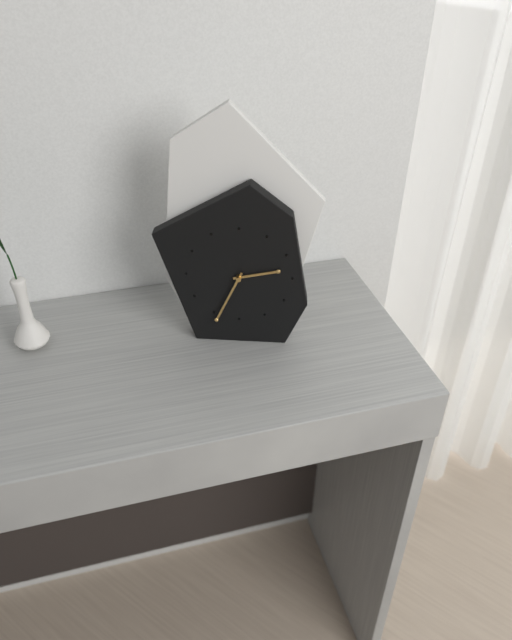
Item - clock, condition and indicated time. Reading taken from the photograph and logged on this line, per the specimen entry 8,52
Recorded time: 2,34
